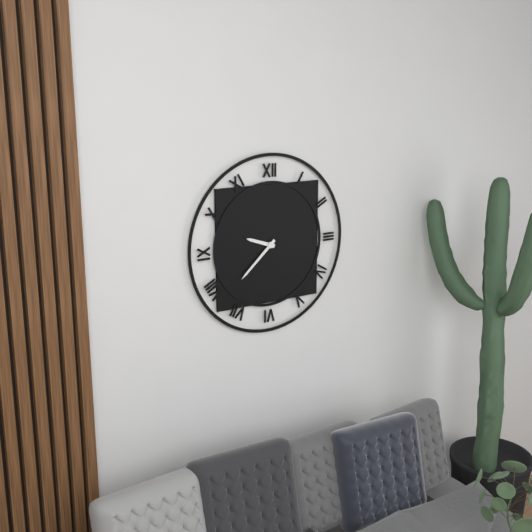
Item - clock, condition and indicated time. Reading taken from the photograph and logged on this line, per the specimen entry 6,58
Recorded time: 9,38
